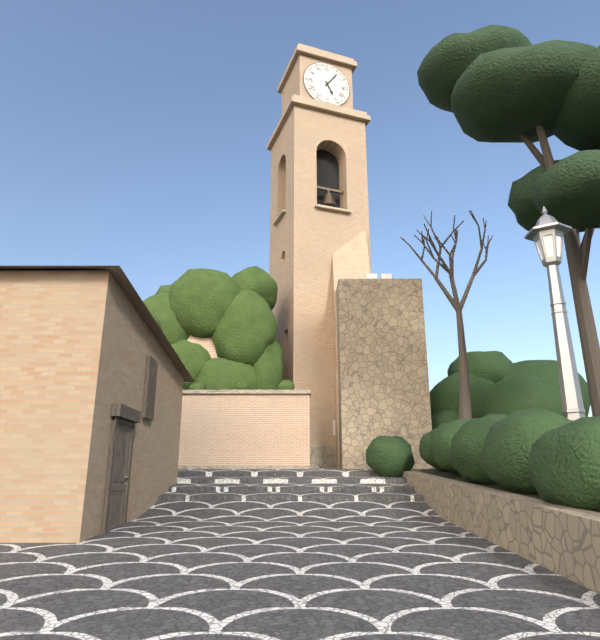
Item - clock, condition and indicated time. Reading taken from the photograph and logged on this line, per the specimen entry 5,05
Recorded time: 5,06
